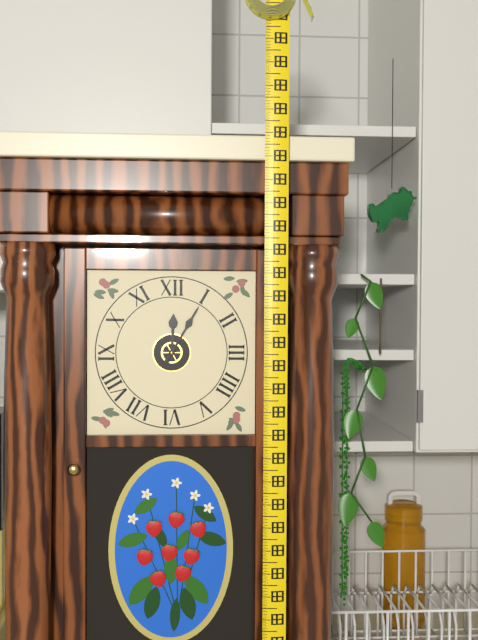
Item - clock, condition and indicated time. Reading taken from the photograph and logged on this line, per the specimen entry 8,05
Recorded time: 12,05
